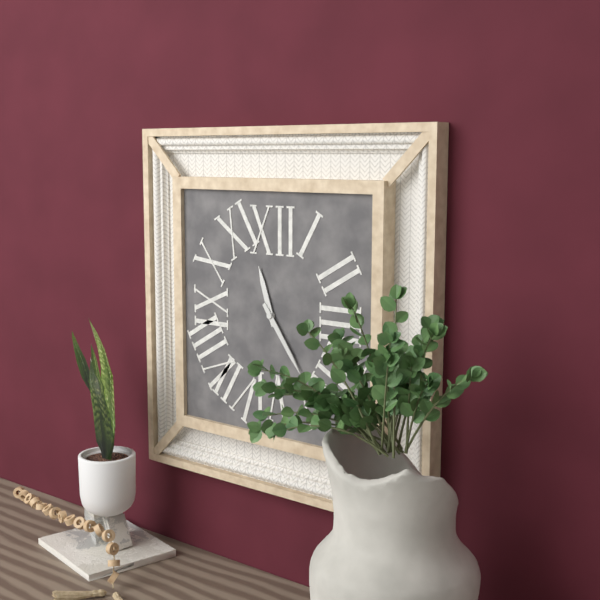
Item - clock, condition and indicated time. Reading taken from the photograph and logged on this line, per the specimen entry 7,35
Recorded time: 11,24
